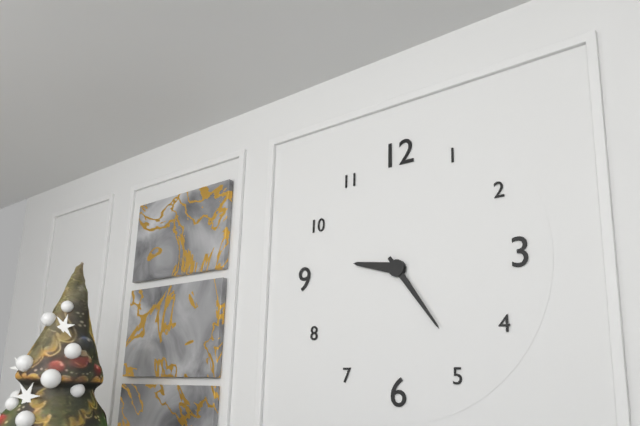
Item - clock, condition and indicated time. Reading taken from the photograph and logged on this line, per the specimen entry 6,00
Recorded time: 9,24
